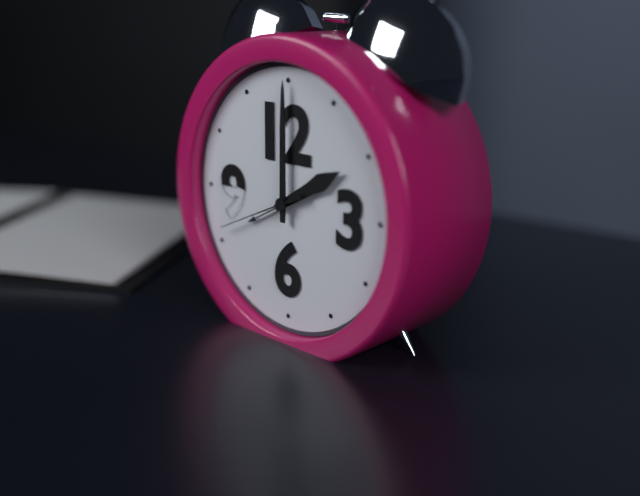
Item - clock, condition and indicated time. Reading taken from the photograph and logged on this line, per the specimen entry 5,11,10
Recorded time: 2,00,41
